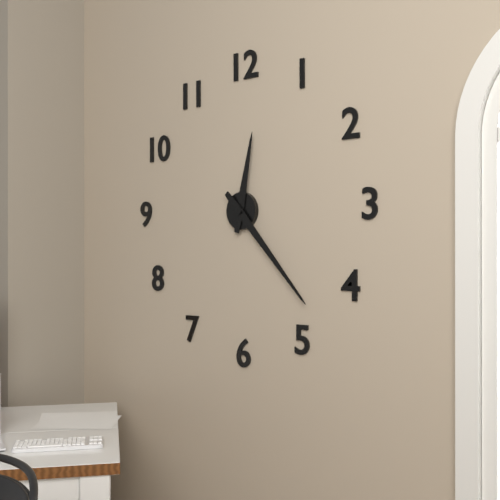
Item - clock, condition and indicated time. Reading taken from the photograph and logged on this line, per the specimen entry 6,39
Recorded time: 12,23
